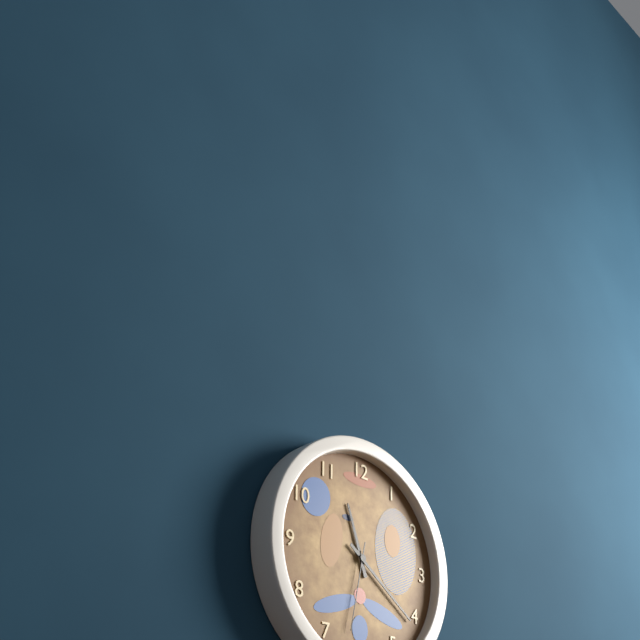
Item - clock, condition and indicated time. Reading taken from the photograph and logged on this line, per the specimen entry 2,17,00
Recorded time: 11,21,32
